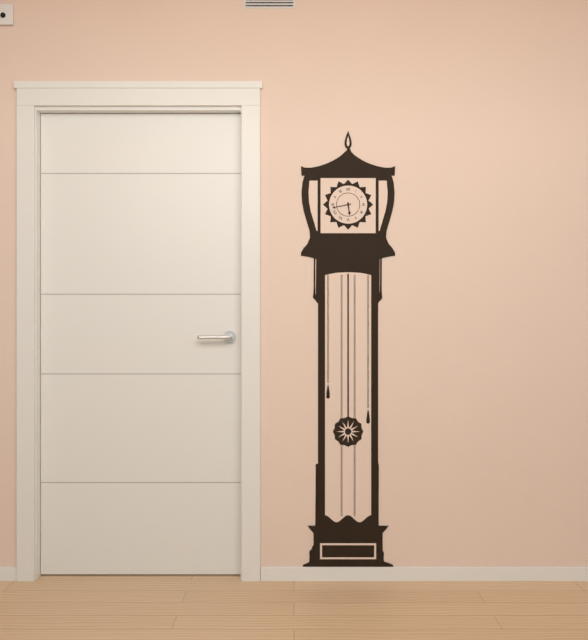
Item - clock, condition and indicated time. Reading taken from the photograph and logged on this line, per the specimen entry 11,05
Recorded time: 5,43
